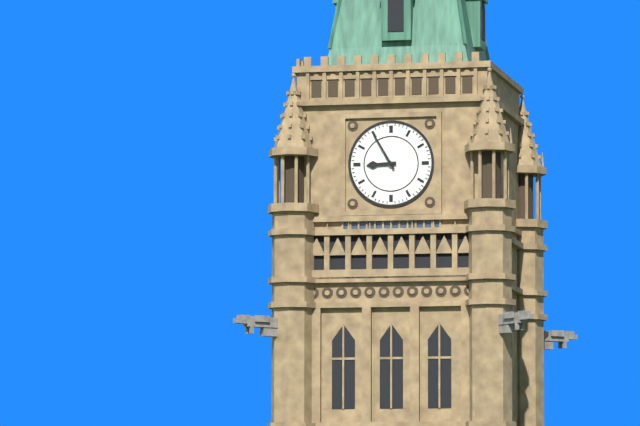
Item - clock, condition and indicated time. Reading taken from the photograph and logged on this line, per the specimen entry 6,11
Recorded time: 8,55
